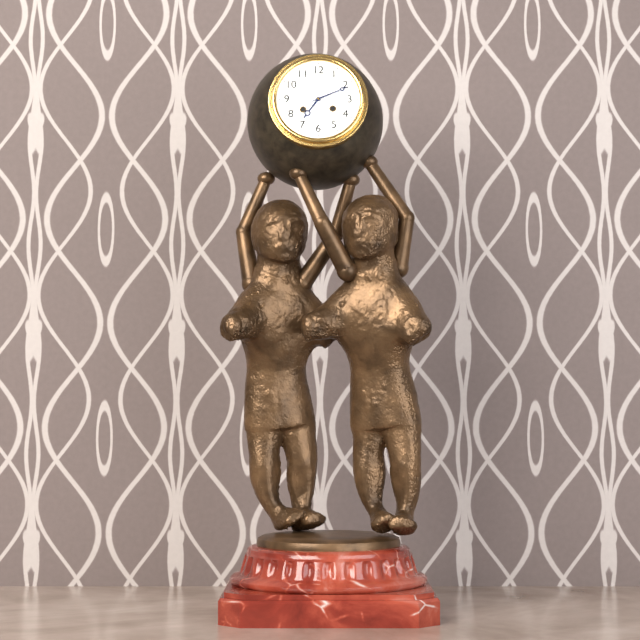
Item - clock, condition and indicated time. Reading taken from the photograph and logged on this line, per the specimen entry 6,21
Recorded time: 7,11
